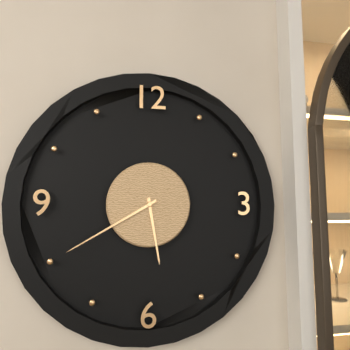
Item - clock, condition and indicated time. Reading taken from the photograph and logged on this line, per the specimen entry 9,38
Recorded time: 5,40
